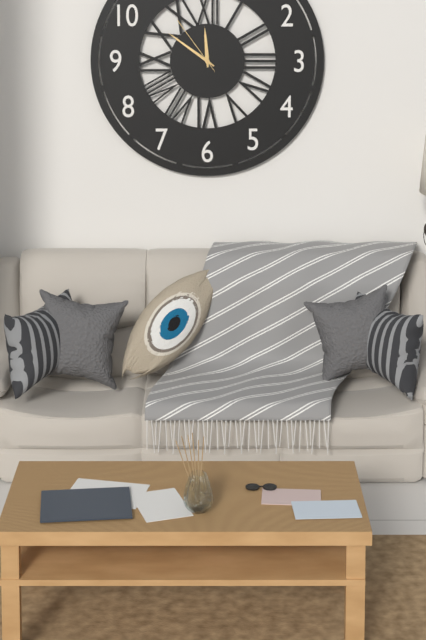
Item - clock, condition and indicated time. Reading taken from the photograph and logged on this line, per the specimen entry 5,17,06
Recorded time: 11,51,54
